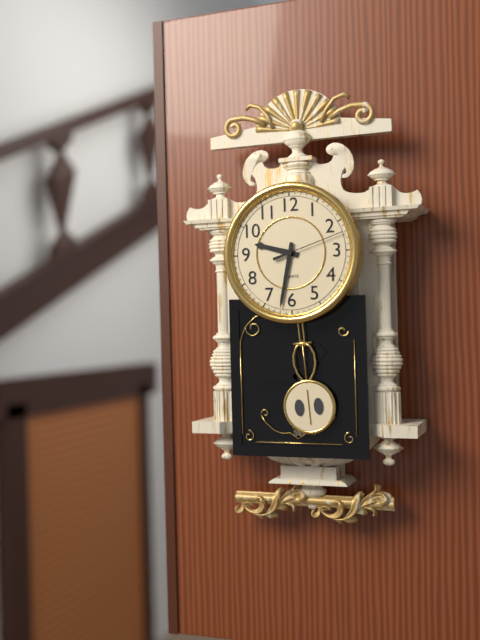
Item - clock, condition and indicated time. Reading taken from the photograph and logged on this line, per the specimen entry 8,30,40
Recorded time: 9,32,12
